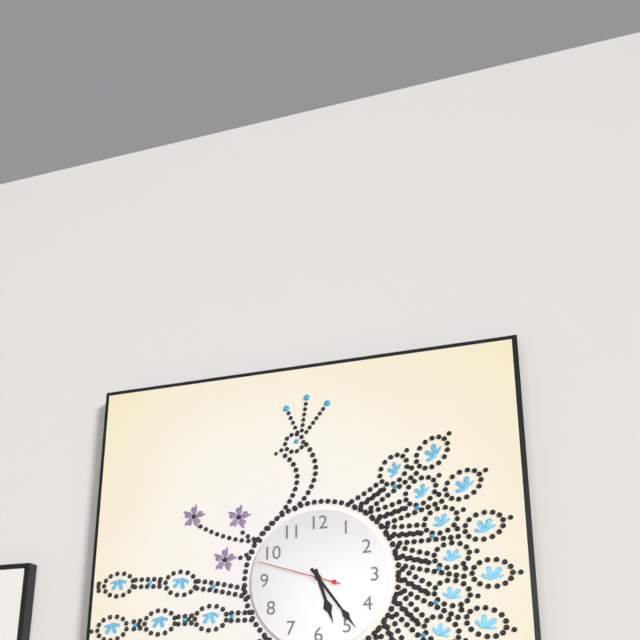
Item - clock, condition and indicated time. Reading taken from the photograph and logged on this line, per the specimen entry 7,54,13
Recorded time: 5,24,48
